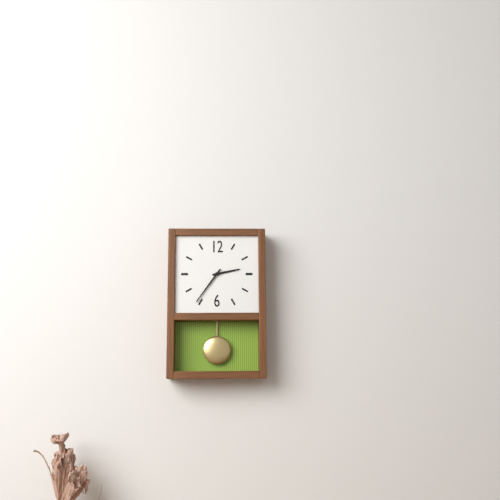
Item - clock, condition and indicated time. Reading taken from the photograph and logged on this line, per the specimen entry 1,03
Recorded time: 2,36
